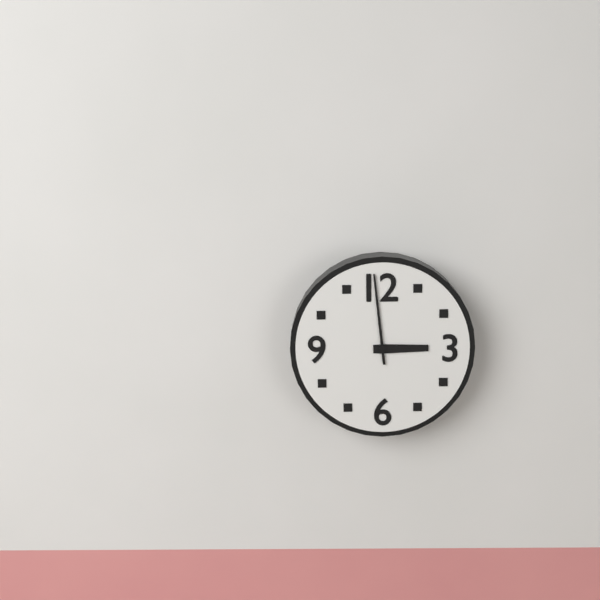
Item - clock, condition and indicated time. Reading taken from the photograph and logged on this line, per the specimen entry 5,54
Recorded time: 2,59
